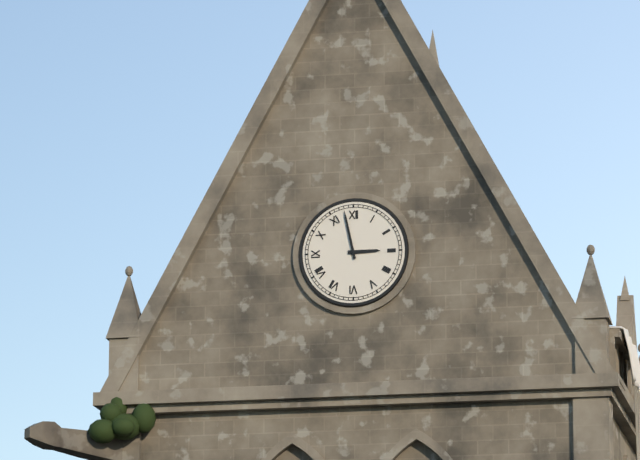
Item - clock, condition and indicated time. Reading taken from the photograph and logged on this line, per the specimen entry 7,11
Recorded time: 2,58
